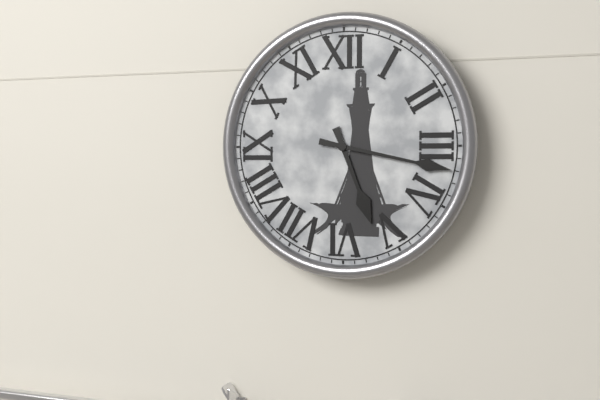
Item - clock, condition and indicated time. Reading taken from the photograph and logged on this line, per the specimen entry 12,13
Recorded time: 5,17
